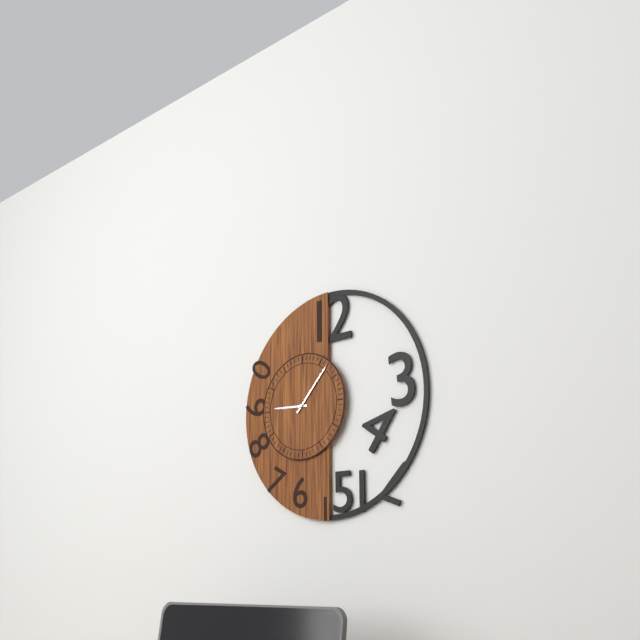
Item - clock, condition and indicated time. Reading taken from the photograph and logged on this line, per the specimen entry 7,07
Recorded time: 9,07
